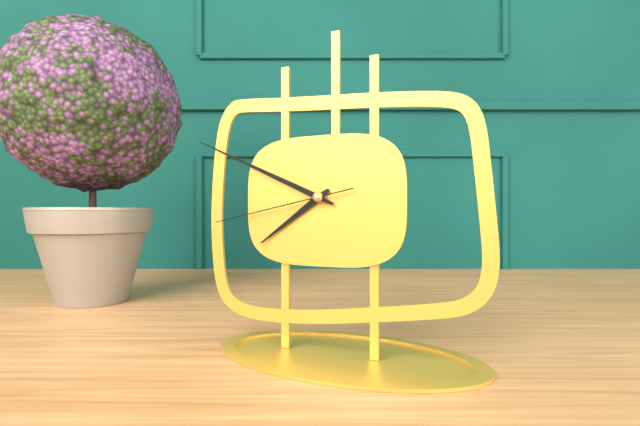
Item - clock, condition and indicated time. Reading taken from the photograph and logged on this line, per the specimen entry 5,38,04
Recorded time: 7,49,43
